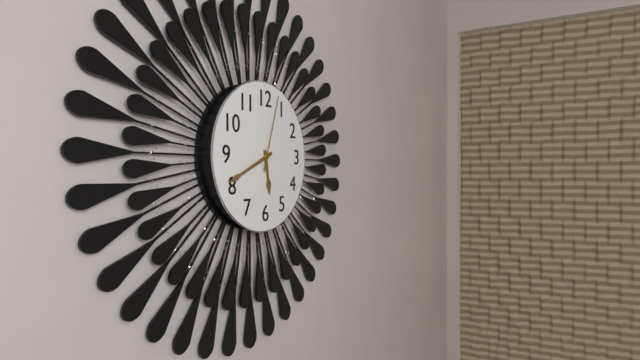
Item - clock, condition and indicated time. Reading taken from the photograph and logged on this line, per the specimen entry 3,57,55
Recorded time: 5,41,03
